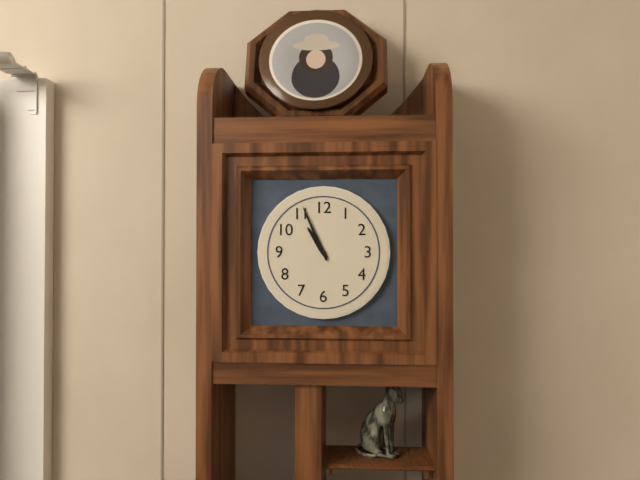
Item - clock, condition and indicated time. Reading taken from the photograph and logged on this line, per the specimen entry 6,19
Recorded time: 10,56
